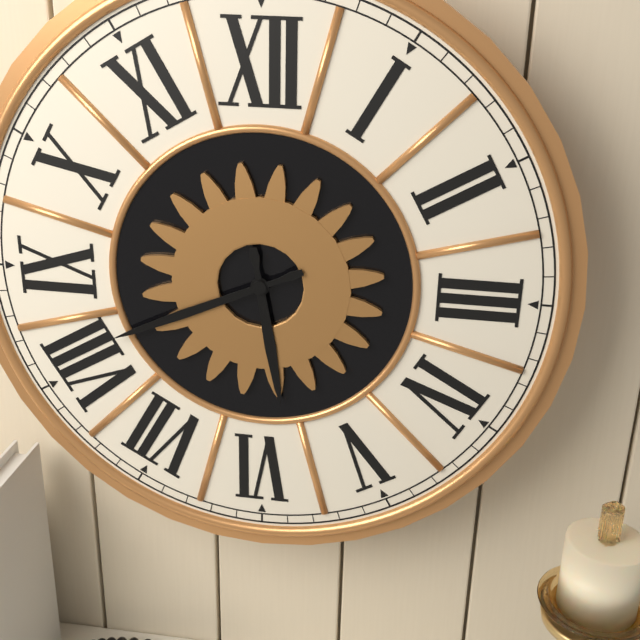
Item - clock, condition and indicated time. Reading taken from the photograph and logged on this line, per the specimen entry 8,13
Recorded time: 5,41
